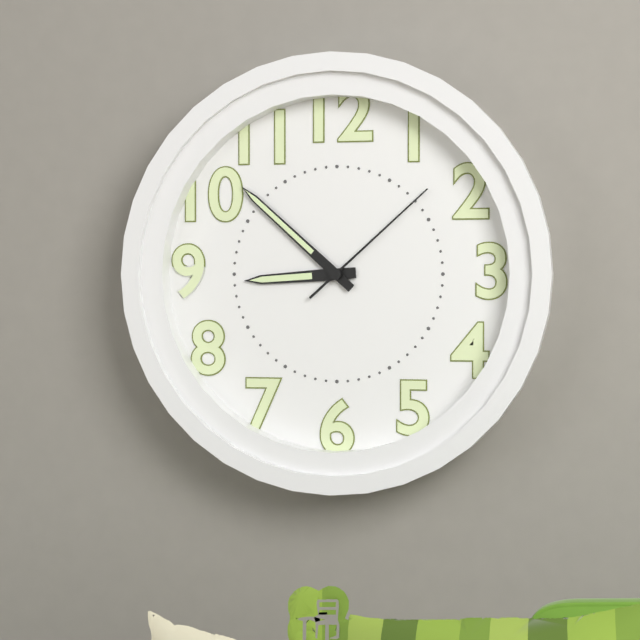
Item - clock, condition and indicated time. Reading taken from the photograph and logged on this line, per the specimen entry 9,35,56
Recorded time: 8,52,08
